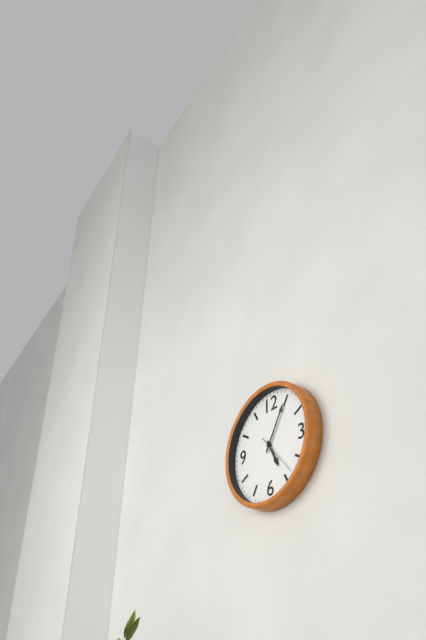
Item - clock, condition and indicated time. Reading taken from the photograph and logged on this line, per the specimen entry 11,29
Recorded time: 5,05
